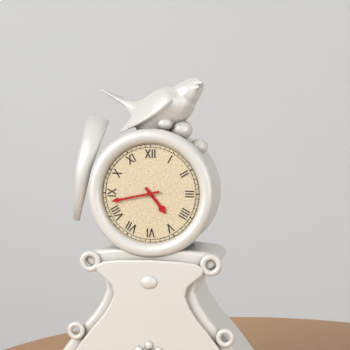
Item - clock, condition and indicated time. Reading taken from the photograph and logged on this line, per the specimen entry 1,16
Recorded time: 4,43
